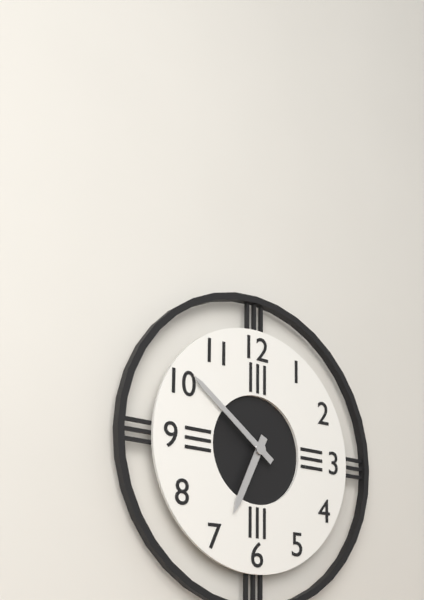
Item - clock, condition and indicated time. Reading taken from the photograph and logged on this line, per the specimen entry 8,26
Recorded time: 6,51
